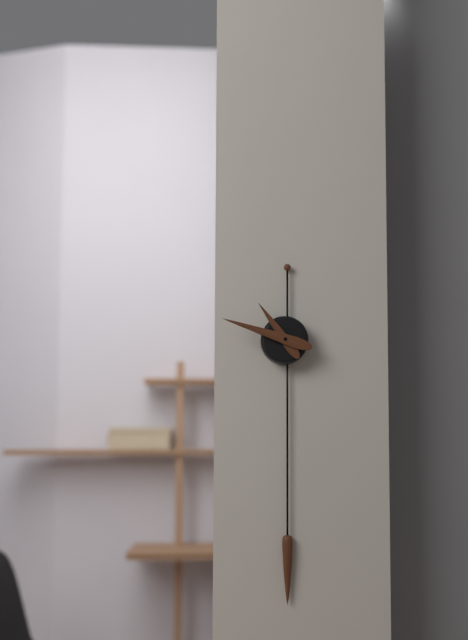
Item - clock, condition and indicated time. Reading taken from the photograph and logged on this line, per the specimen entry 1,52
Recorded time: 10,48
